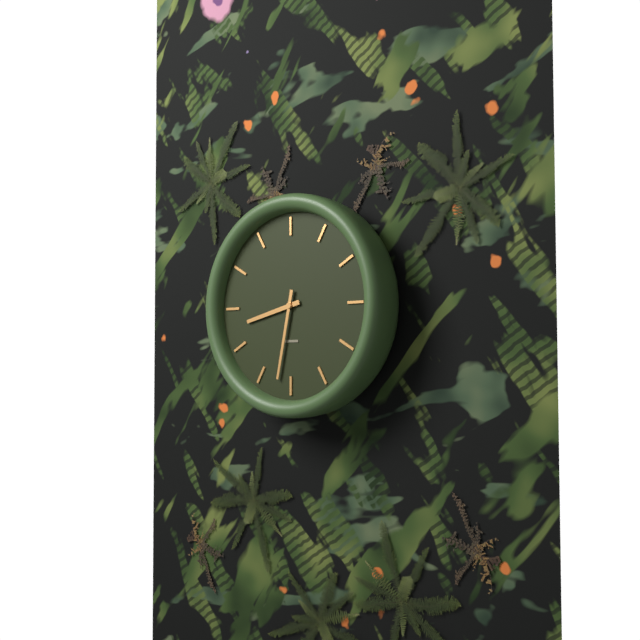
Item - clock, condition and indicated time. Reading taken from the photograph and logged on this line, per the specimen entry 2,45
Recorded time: 8,32
